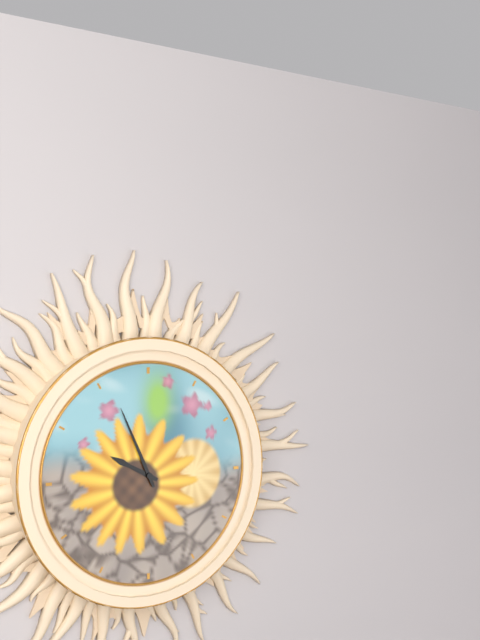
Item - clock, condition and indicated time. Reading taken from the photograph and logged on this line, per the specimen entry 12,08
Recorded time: 9,56
